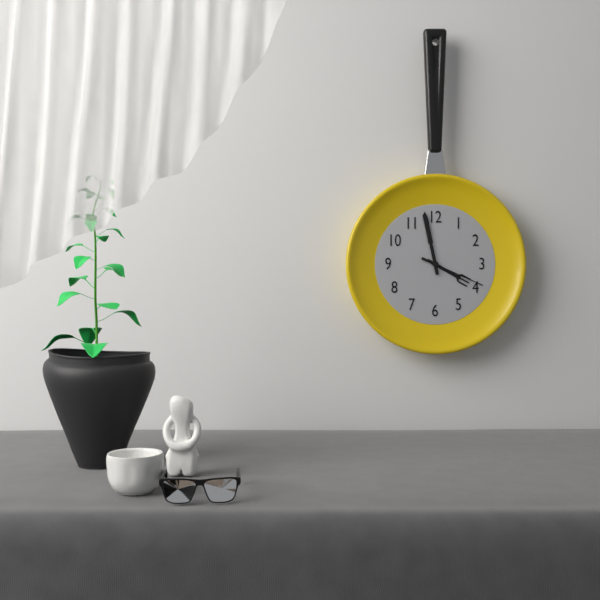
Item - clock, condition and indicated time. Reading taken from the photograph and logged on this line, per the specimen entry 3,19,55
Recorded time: 3,58,19
